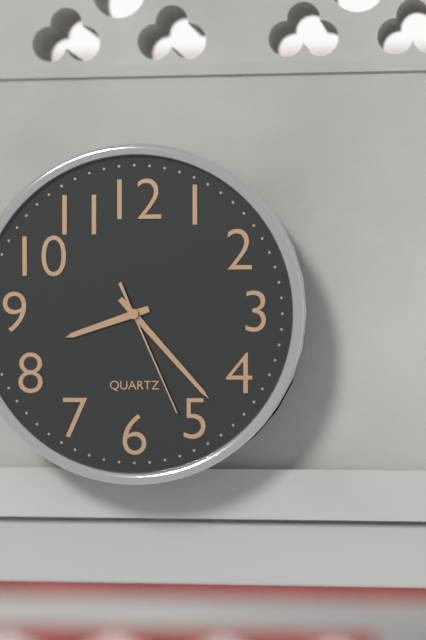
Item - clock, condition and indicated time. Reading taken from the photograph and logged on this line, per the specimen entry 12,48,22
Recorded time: 8,23,26
